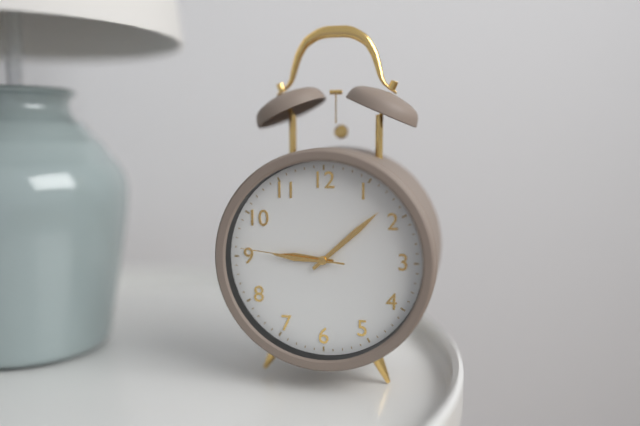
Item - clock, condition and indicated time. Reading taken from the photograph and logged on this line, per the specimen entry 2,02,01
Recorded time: 9,08,46
